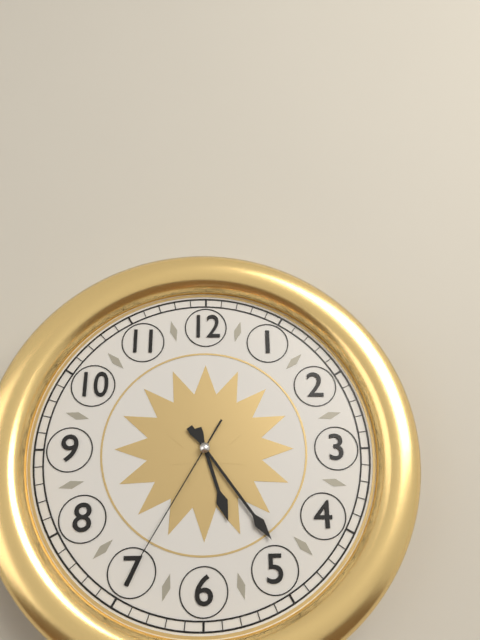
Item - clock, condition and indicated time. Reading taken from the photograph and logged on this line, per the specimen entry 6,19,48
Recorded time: 5,24,35
